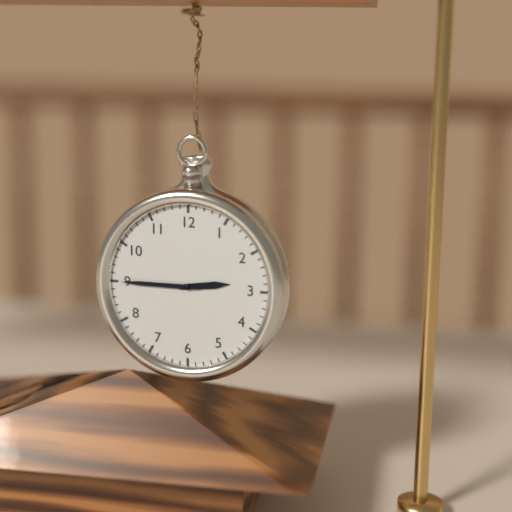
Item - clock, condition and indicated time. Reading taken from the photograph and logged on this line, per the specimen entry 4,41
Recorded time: 2,45
